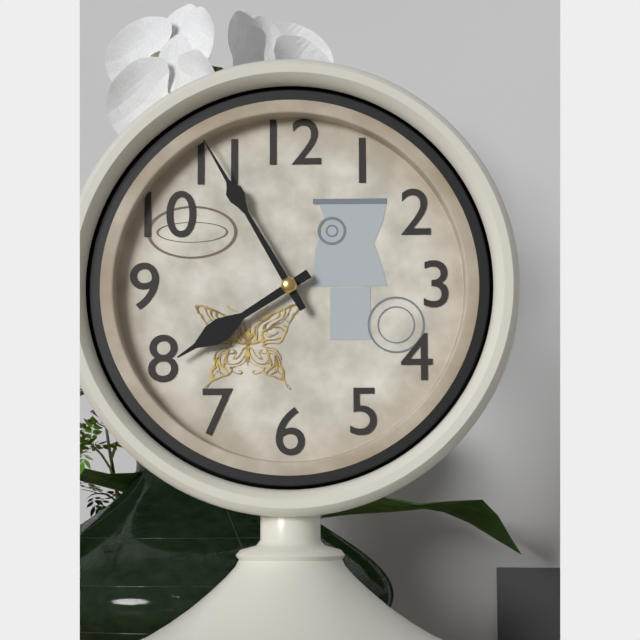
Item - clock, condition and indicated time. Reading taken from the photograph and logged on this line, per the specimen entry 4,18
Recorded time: 7,55
